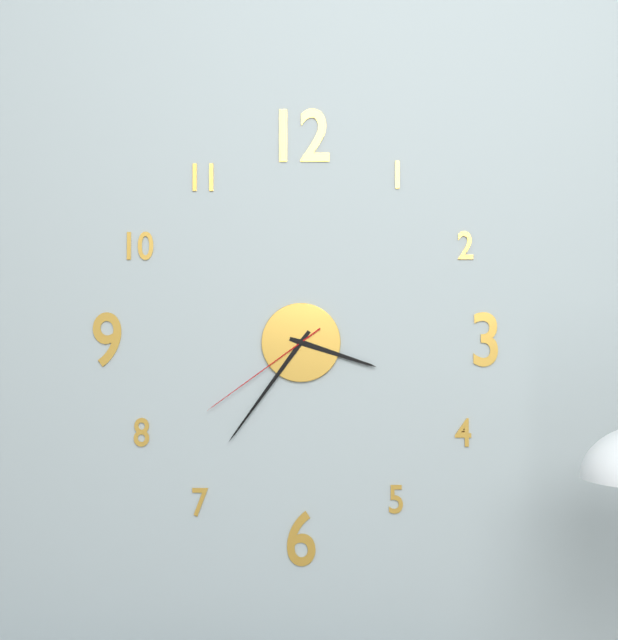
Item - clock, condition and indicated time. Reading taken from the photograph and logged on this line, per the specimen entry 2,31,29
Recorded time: 3,36,39
